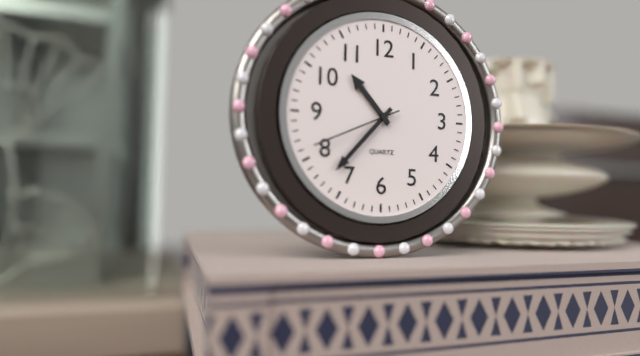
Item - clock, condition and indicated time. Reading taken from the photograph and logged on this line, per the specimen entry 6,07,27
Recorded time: 10,37,41
